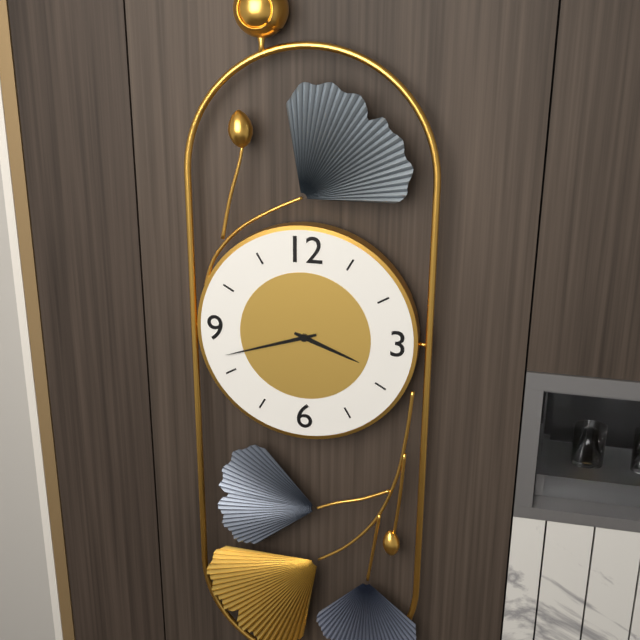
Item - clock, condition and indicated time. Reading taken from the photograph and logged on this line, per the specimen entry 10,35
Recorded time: 3,42
